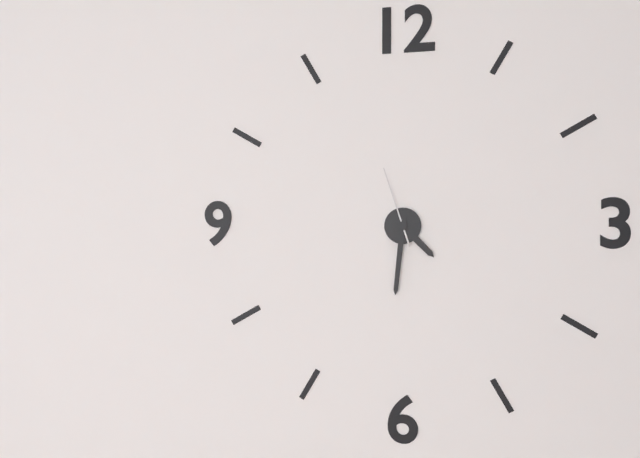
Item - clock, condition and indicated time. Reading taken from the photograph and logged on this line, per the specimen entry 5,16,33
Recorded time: 4,31,57
